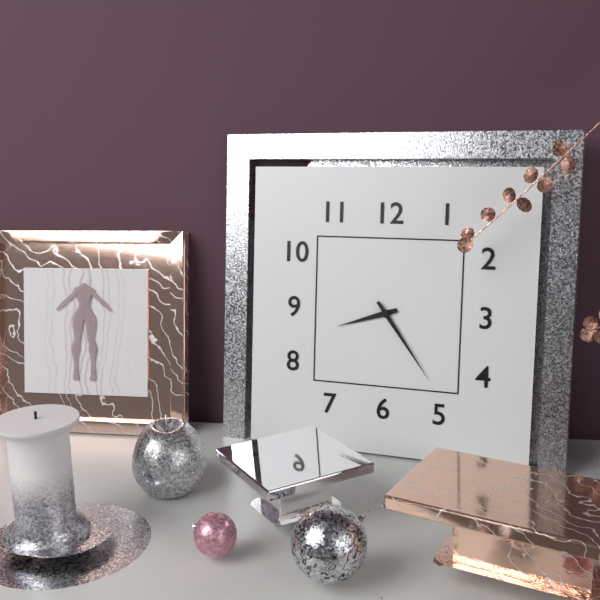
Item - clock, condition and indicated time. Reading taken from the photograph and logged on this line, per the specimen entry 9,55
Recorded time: 8,24
